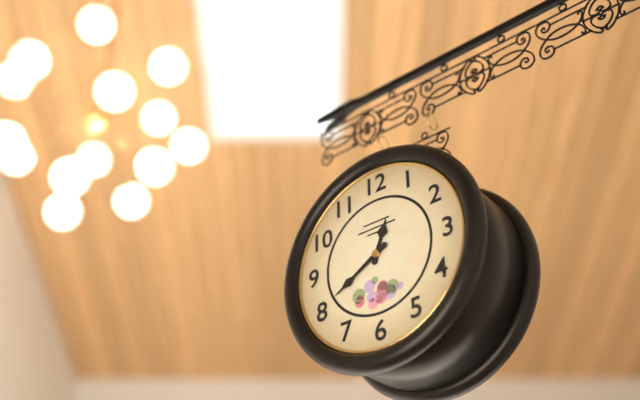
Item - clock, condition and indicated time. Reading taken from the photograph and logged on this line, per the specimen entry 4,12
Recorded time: 12,40
